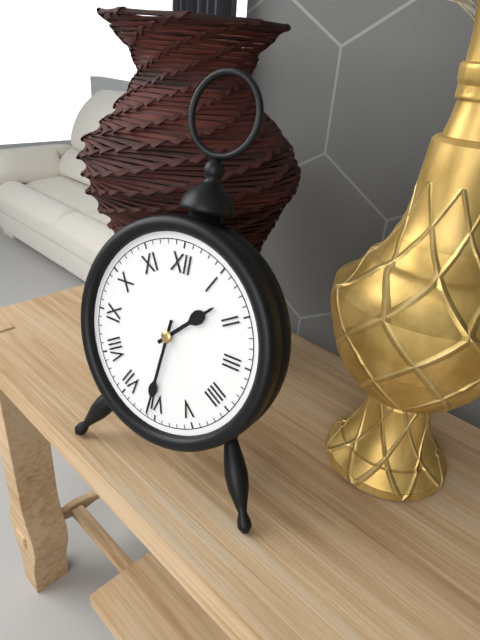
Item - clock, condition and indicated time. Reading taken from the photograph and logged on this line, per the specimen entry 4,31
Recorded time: 1,31
